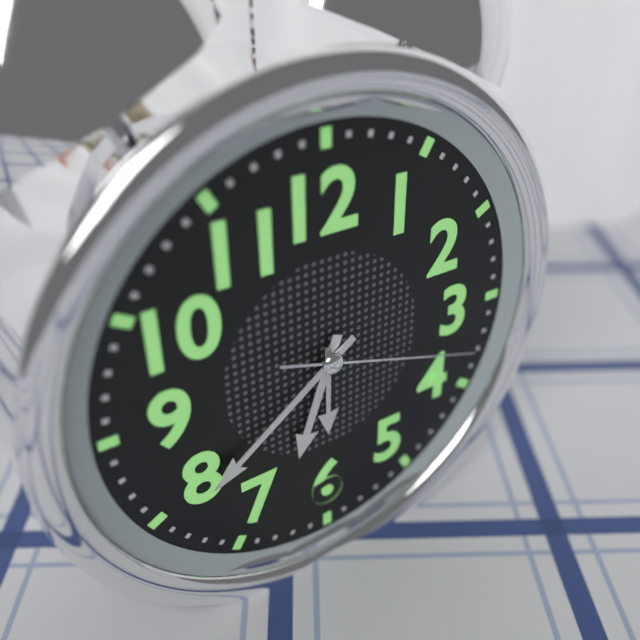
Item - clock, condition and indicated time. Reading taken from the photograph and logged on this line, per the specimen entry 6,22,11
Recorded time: 6,39,18
